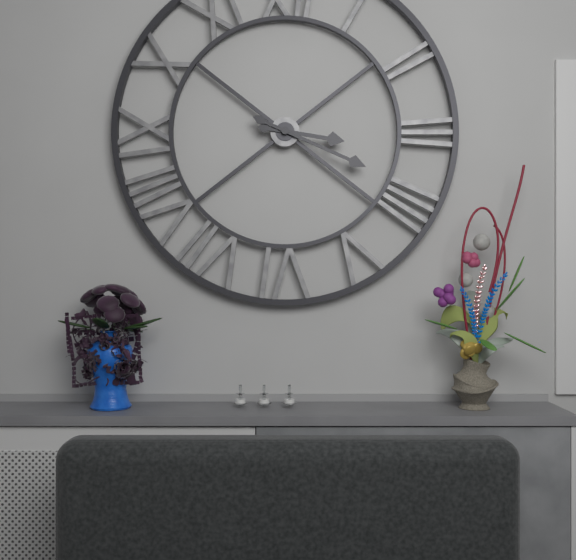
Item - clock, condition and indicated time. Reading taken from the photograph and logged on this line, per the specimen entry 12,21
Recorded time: 3,19
